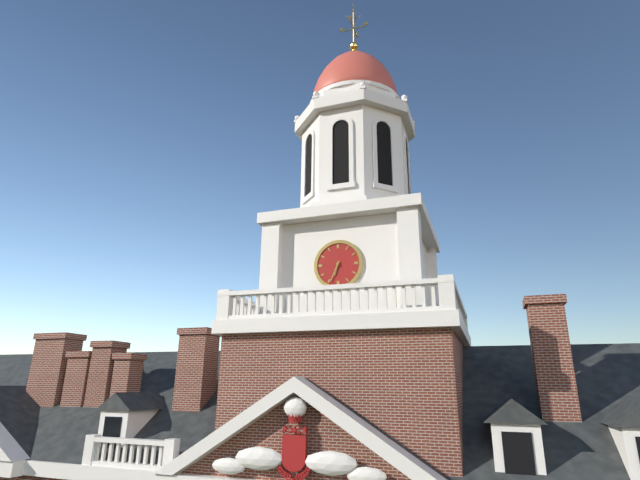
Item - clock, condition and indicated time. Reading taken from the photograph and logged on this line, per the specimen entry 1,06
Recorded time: 6,34
